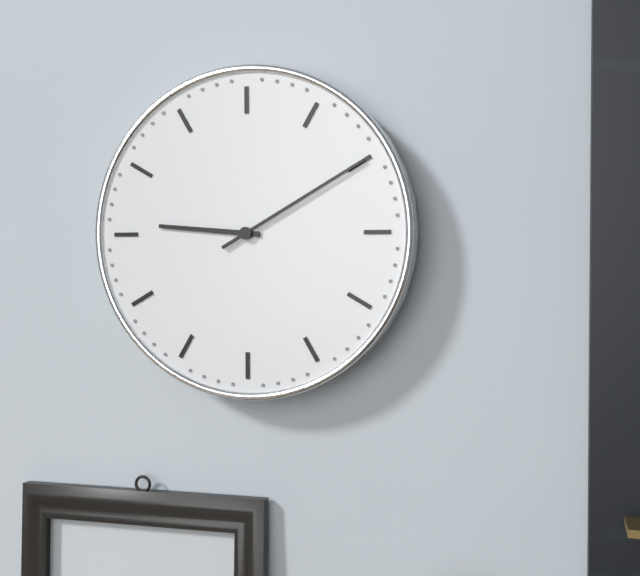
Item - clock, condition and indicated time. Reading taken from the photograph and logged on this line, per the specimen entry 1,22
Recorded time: 9,10
